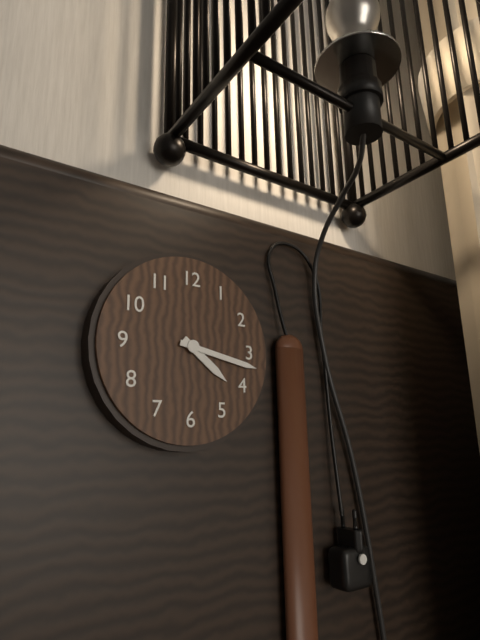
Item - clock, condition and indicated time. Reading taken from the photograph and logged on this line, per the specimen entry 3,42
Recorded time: 4,17
